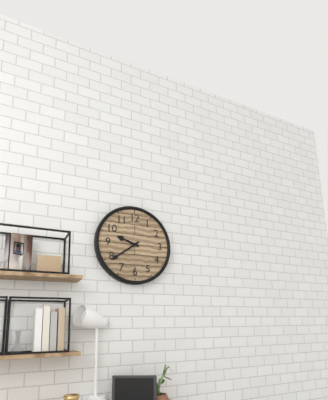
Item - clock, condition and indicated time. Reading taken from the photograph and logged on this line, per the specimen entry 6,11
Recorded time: 9,39
